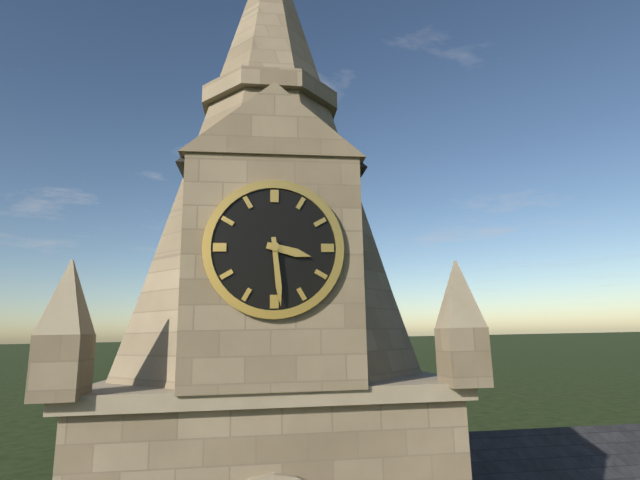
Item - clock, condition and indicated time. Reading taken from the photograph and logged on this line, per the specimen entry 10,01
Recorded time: 3,29
